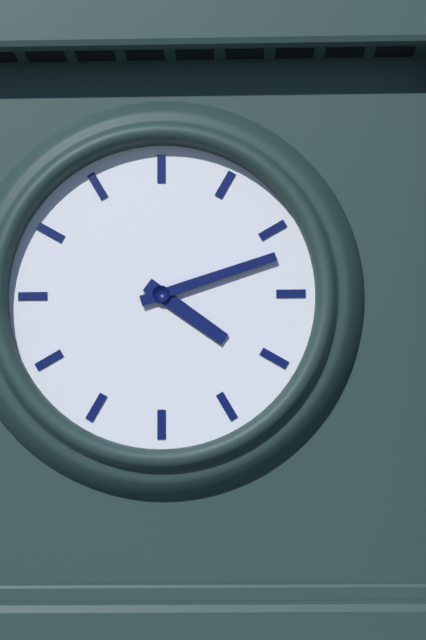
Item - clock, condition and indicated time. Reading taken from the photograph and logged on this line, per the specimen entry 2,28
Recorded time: 4,12
